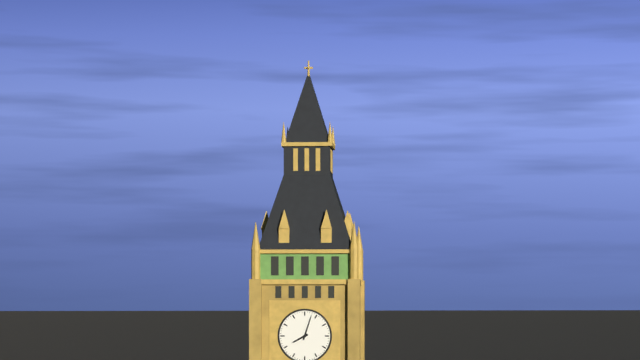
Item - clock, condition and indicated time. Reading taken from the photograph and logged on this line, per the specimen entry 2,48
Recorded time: 8,03
